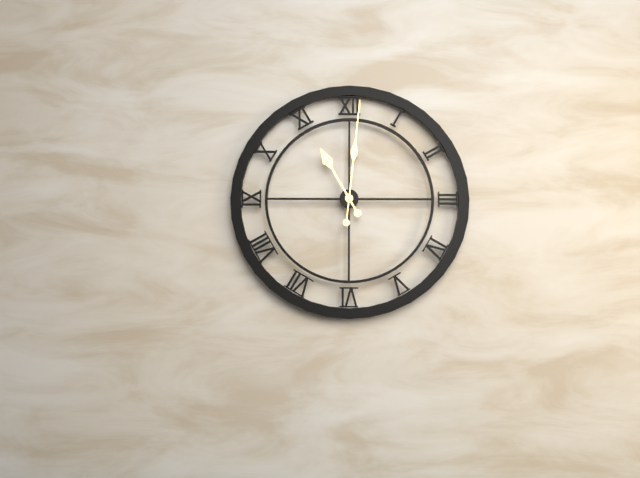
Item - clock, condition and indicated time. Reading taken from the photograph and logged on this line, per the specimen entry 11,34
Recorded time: 11,01
